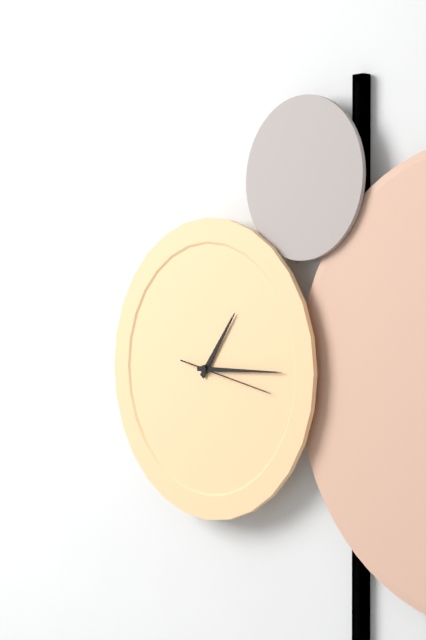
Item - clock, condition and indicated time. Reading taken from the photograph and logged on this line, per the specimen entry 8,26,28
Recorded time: 1,15,17
